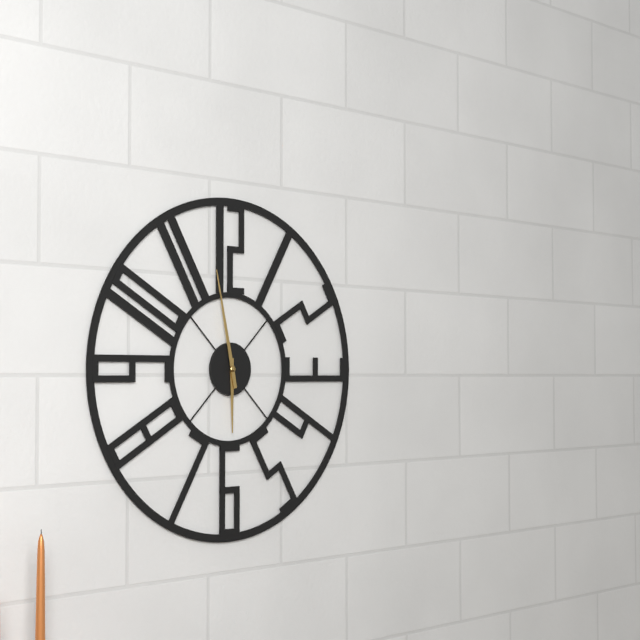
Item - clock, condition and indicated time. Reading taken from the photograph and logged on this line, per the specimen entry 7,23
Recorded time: 5,58
